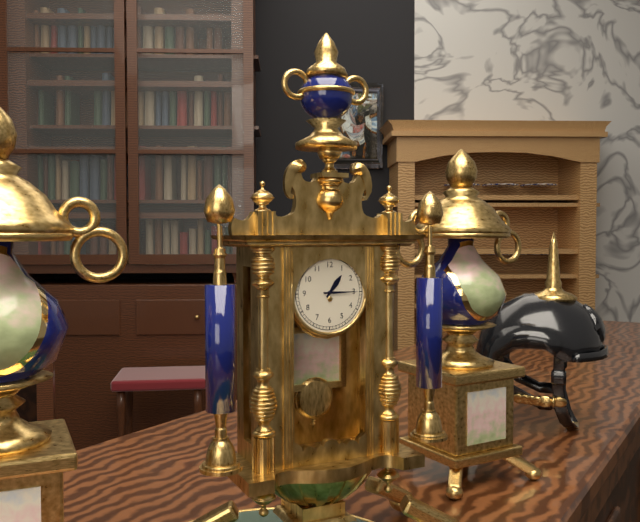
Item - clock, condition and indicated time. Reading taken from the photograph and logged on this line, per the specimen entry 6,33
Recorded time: 1,15
